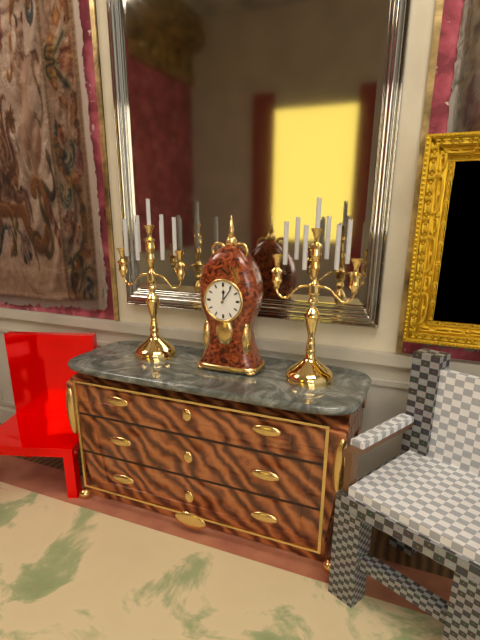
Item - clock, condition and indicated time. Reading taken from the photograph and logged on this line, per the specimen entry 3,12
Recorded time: 12,06
